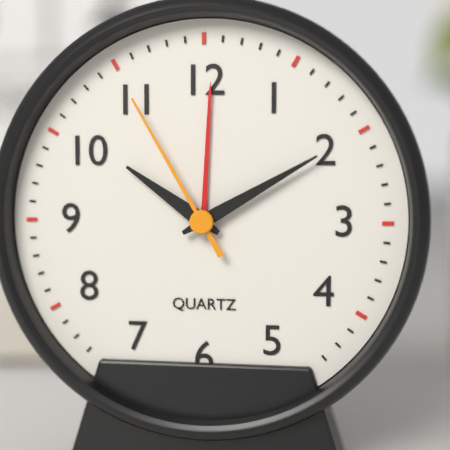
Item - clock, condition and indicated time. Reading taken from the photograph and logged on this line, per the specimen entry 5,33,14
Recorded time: 10,10,55
